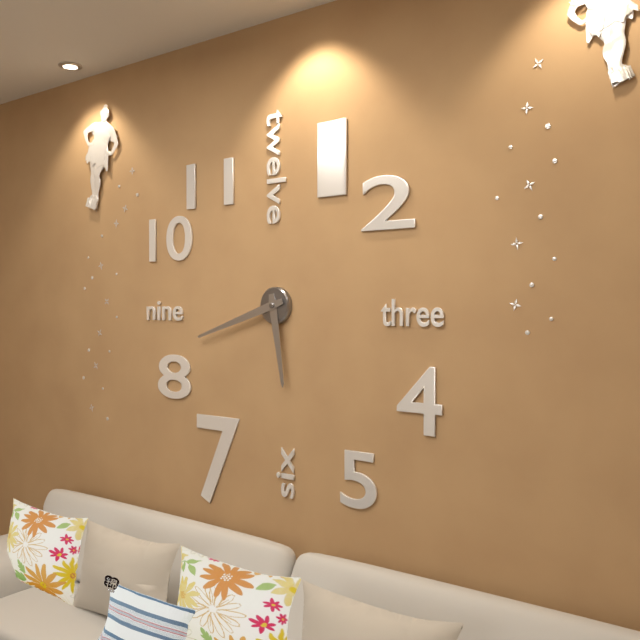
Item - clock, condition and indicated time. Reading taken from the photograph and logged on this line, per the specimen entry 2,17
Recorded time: 5,42
